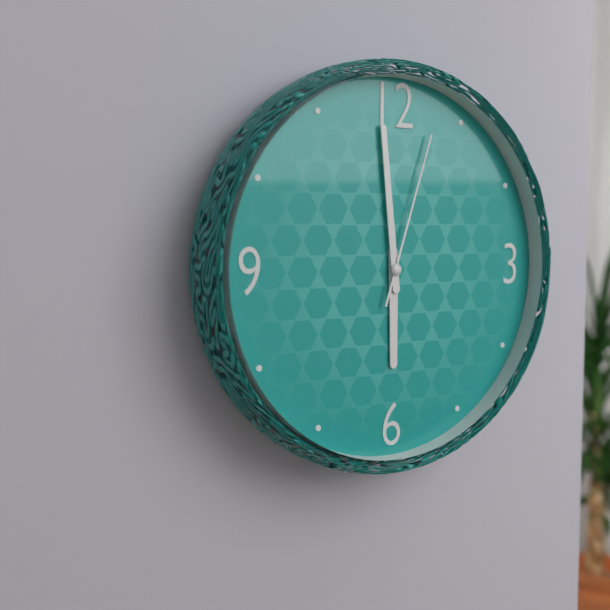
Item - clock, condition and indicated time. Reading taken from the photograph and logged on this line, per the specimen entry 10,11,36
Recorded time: 5,59,03
